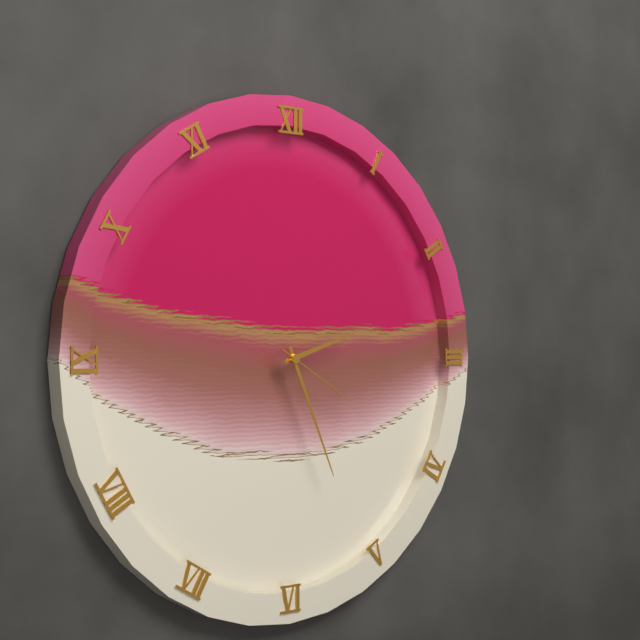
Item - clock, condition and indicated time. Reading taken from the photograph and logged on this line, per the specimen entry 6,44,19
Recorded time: 2,26,20
